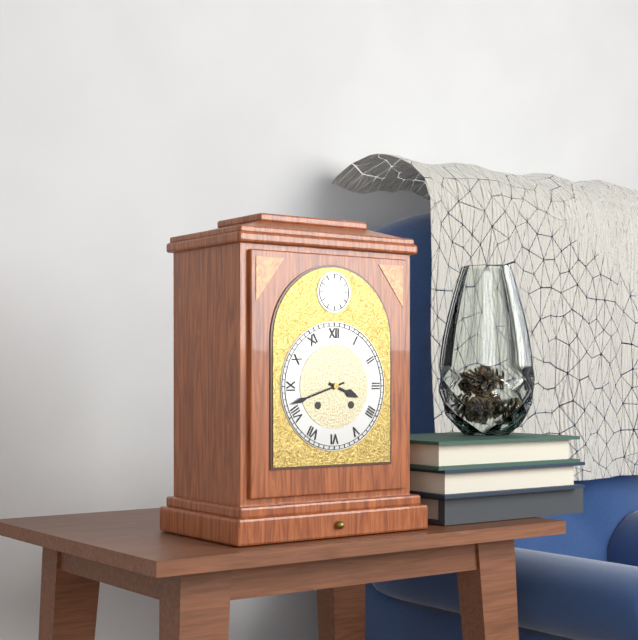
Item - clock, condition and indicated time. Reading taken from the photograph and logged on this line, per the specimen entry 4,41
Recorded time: 3,42
